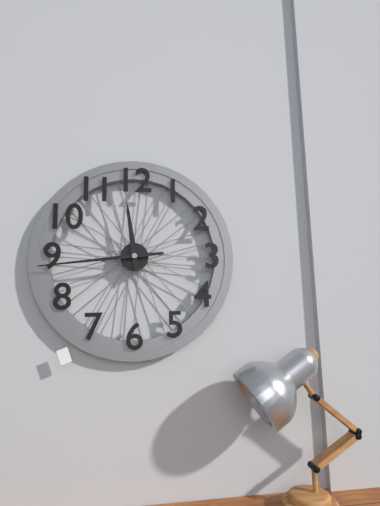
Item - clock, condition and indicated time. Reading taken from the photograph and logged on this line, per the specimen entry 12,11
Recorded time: 11,44
